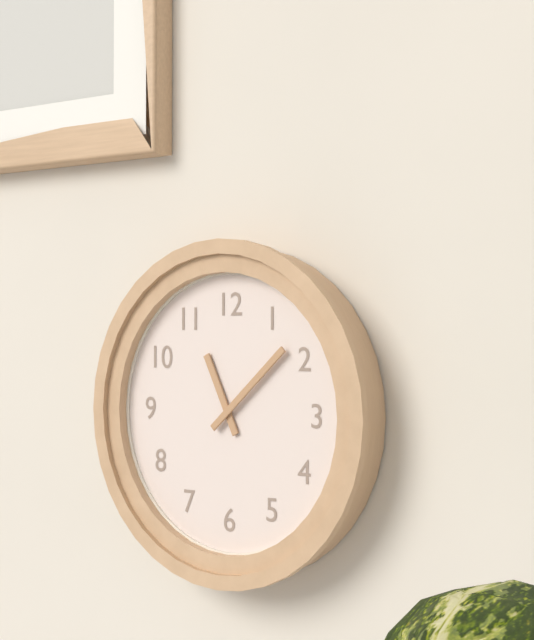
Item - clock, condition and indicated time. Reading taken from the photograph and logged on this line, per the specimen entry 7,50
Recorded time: 11,08
